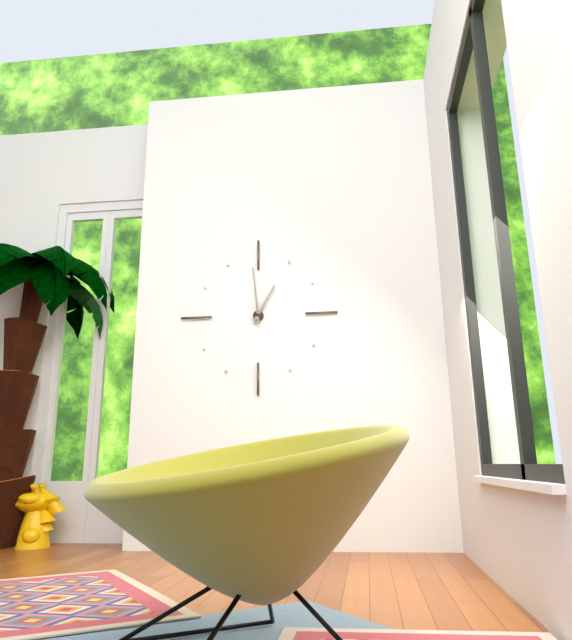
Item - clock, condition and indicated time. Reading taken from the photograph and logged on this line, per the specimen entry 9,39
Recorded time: 12,59
